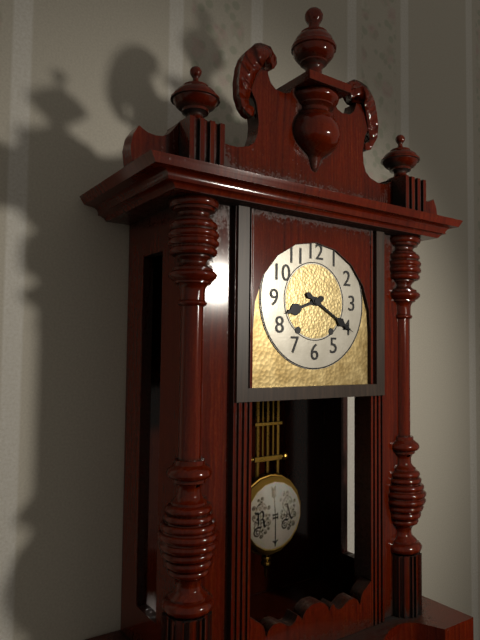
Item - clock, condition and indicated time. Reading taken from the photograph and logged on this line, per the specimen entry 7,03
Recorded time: 8,20
